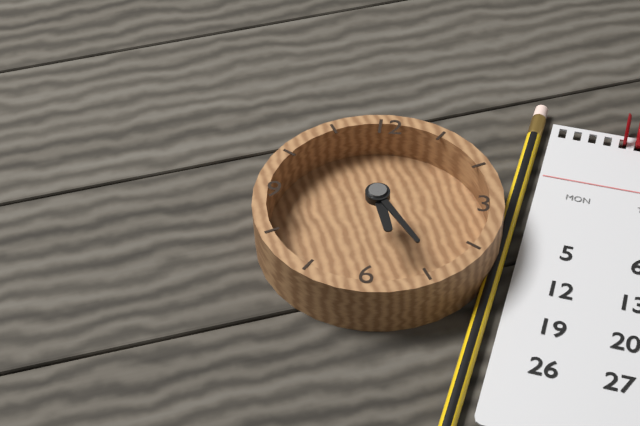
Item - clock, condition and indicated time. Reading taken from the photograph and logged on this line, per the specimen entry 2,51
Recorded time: 5,24
